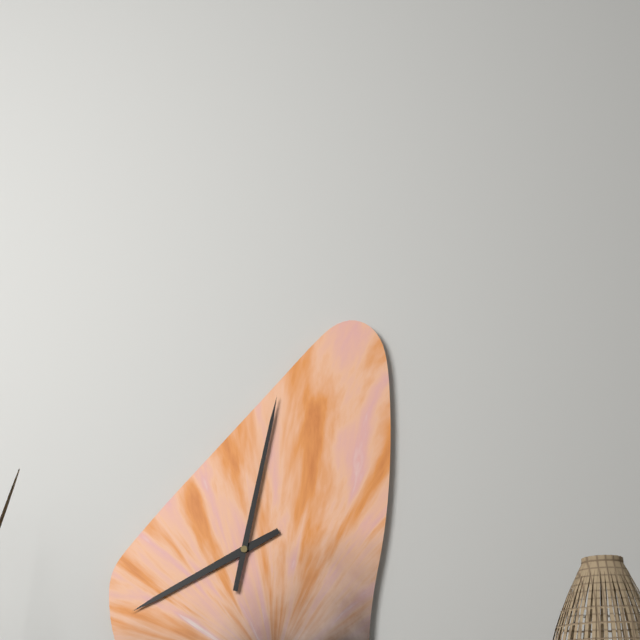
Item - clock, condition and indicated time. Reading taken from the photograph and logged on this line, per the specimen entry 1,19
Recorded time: 8,02
